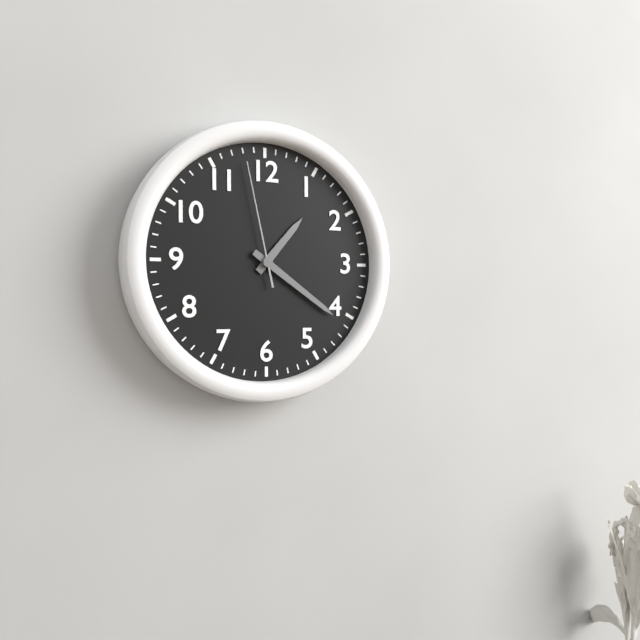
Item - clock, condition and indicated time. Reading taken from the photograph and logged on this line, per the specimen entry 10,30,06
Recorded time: 1,21,58
